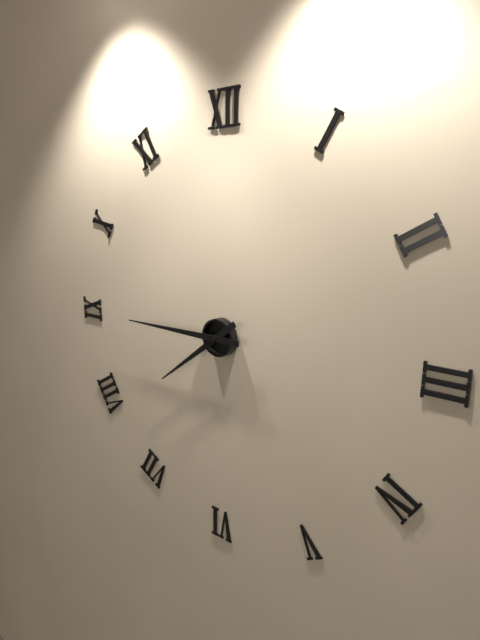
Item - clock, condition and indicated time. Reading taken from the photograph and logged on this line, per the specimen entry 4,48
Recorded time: 7,45
